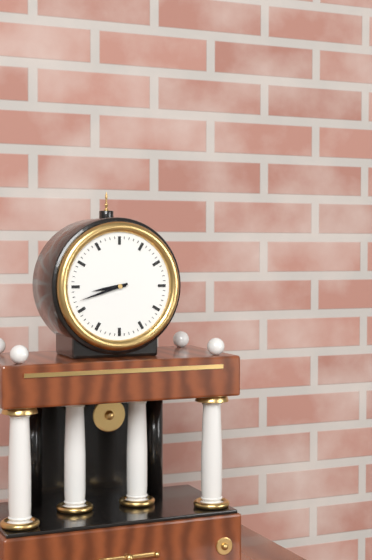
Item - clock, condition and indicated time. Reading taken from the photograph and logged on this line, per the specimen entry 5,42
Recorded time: 8,42
